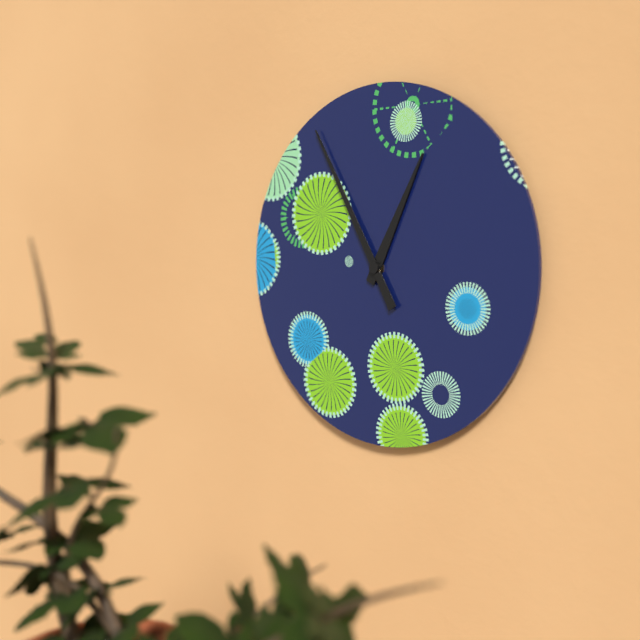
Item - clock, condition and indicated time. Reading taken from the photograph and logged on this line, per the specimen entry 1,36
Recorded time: 12,55
